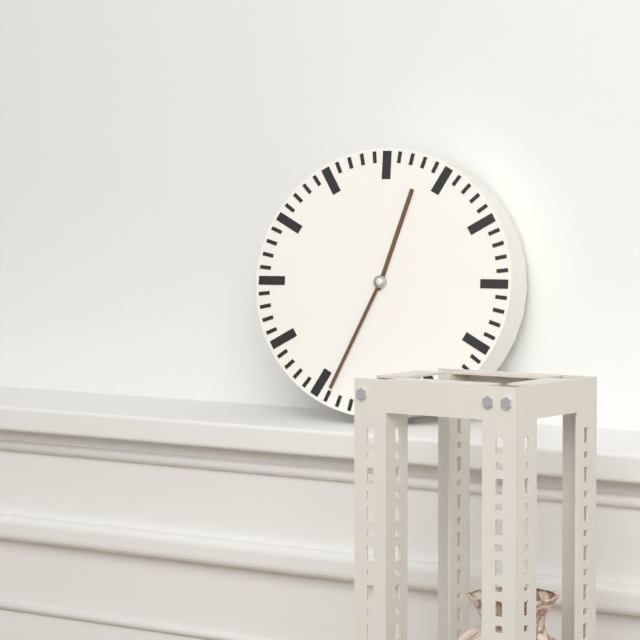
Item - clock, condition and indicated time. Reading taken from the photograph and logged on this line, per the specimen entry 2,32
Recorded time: 12,34
